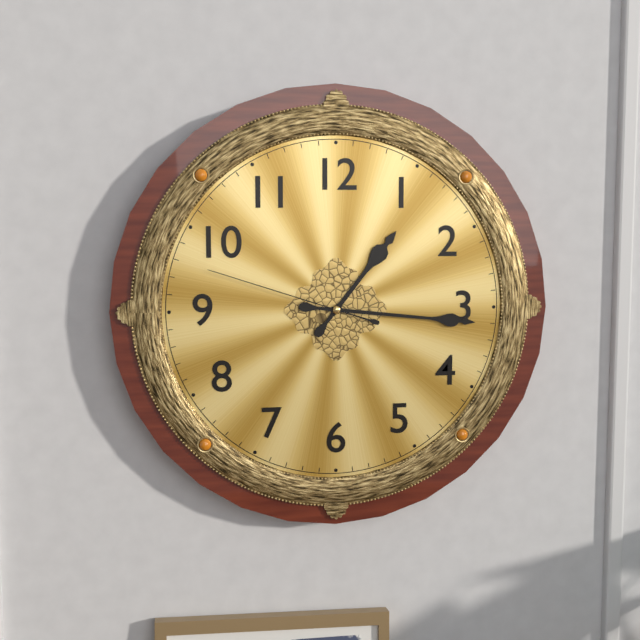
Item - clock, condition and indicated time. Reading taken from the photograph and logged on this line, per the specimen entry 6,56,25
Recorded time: 1,16,48
